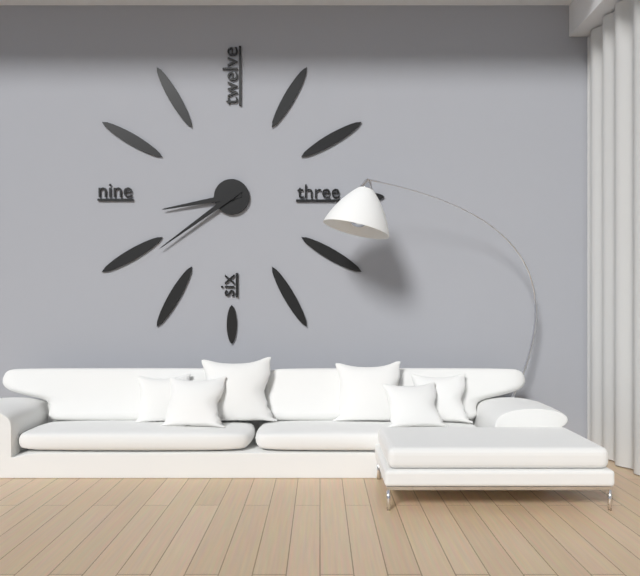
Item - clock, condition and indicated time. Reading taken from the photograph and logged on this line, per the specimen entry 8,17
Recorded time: 8,39
